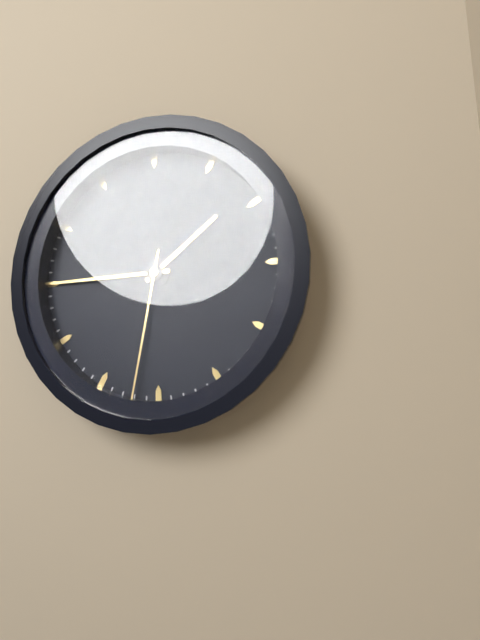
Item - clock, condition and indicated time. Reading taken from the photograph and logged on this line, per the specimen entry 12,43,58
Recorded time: 1,45,32
